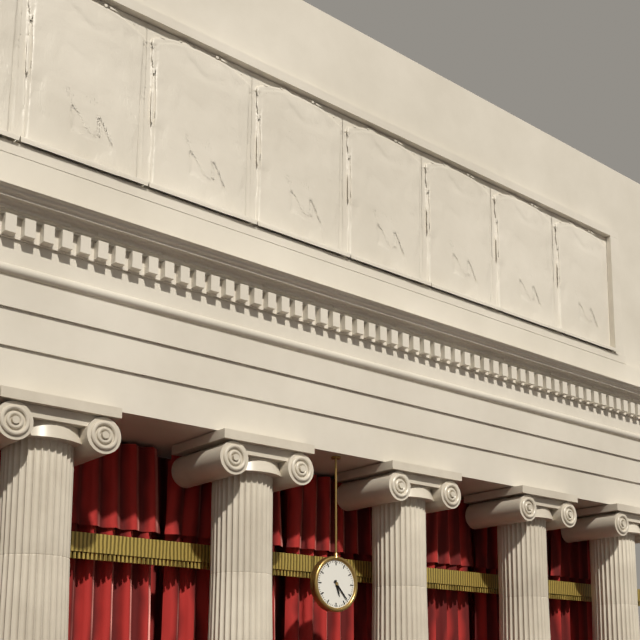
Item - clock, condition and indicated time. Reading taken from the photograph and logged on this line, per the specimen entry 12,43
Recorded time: 5,23
